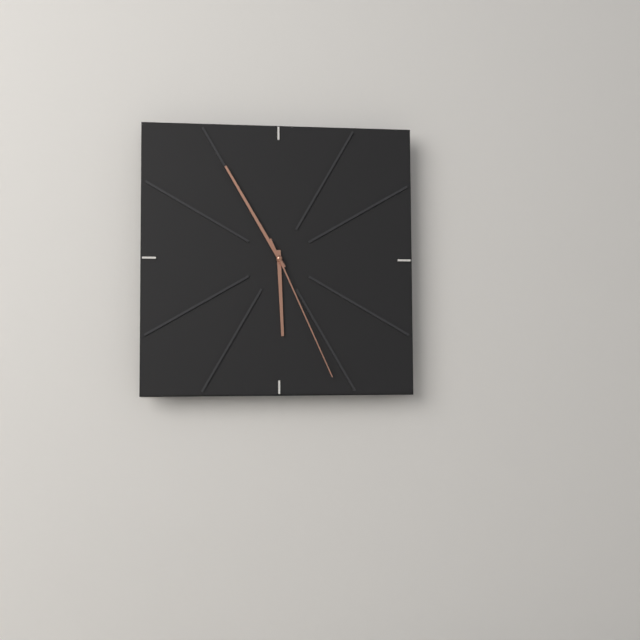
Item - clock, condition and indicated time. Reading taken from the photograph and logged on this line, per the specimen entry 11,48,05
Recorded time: 5,55,26
